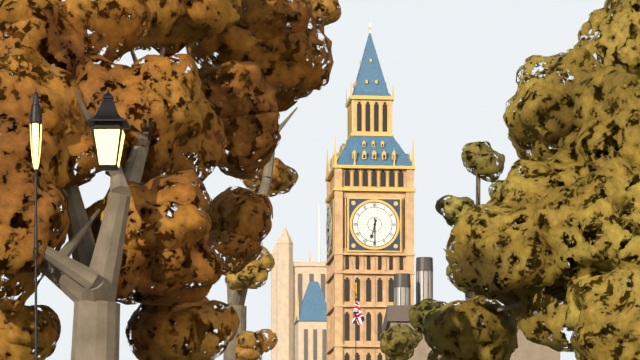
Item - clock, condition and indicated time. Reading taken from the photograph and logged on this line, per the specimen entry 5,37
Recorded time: 6,30
